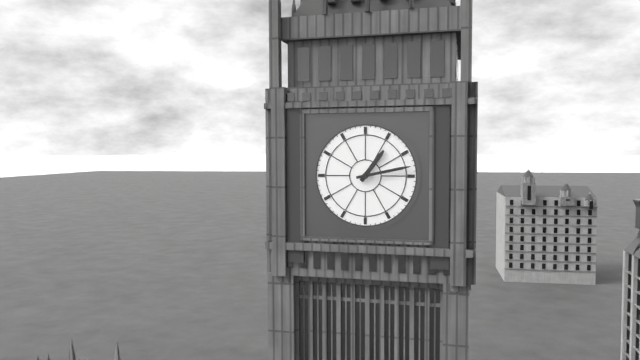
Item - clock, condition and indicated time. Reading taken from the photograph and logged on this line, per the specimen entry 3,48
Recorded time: 1,13
